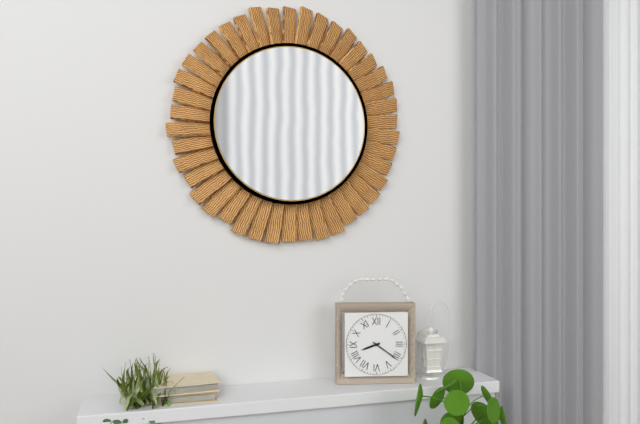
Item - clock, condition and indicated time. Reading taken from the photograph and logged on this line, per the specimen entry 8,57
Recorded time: 8,21
